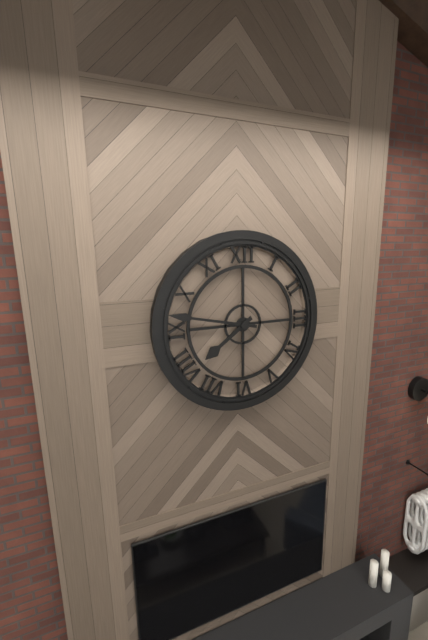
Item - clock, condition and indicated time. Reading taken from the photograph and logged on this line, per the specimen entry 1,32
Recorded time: 7,47
